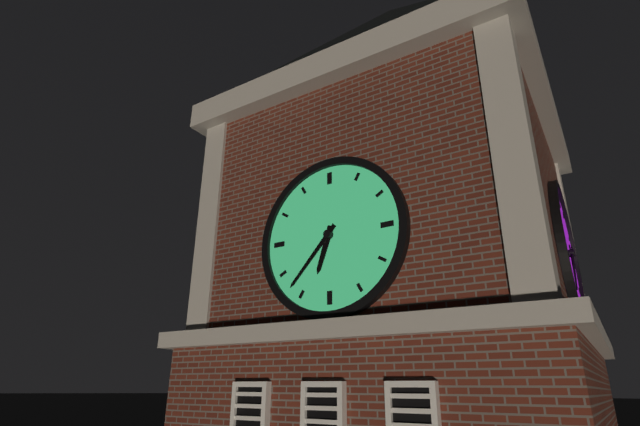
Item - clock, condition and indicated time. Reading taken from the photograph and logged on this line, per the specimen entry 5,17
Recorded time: 6,37
